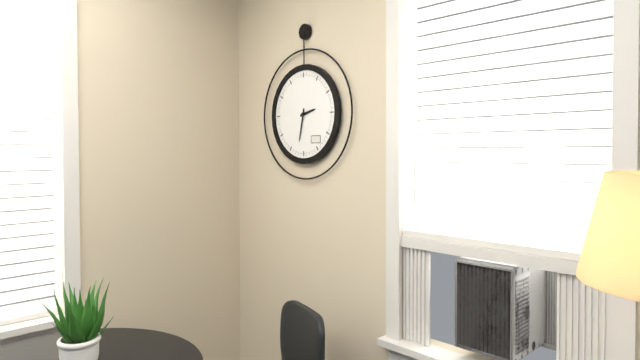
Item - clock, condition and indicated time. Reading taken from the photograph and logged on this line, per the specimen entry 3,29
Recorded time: 2,32
